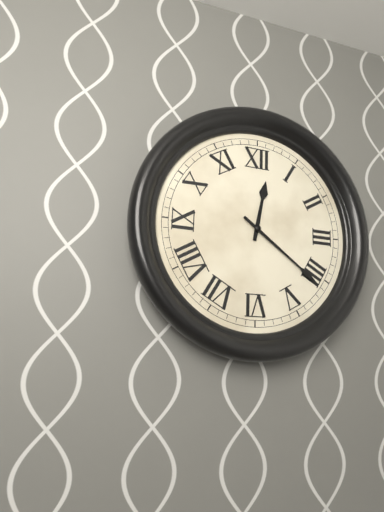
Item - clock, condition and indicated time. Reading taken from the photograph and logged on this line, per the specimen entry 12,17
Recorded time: 12,21
